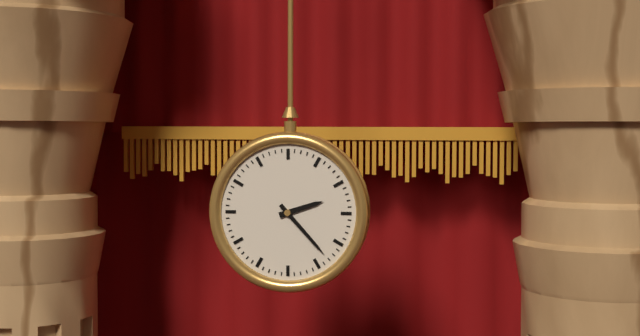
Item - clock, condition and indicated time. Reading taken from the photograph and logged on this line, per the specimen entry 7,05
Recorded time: 2,23
